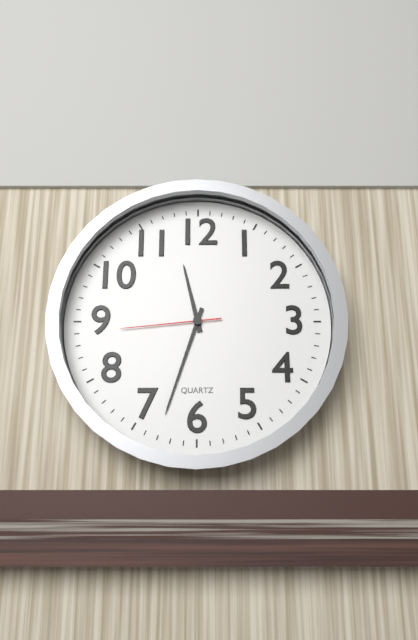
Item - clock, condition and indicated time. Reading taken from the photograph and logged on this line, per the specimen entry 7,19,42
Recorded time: 11,33,44
